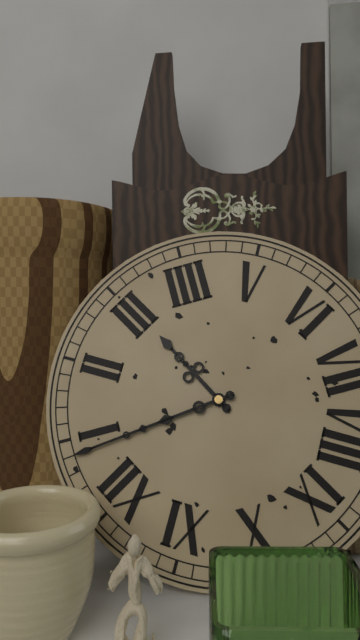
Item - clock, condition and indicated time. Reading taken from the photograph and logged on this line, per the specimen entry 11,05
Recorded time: 3,04
